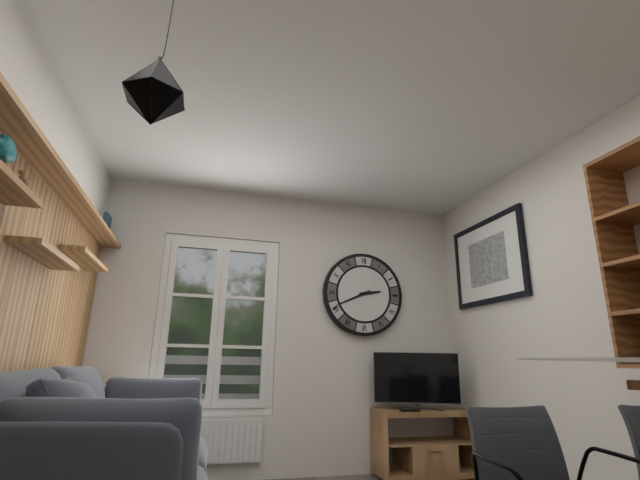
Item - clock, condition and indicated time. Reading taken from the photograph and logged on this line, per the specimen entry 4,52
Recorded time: 2,41
